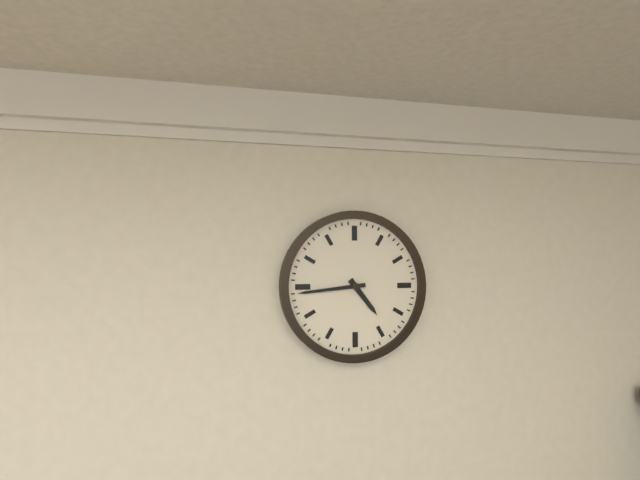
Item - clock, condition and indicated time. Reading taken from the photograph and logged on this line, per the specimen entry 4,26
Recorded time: 4,44
